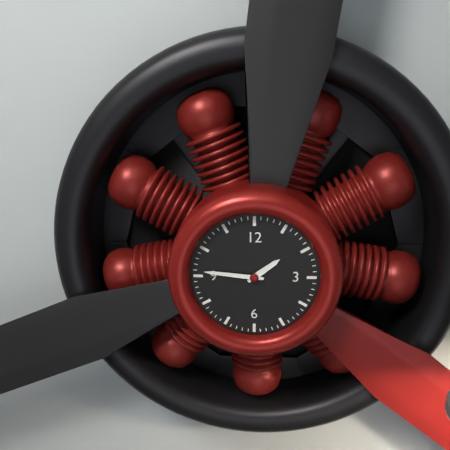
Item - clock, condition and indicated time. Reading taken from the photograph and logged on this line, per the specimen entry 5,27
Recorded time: 1,46
